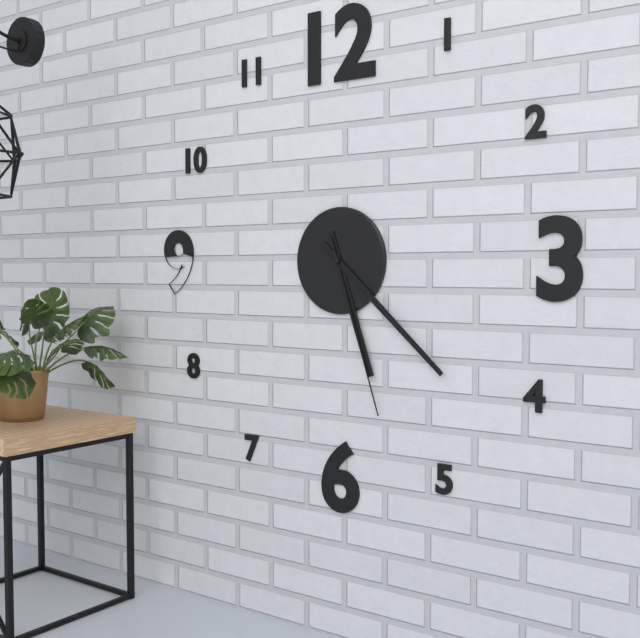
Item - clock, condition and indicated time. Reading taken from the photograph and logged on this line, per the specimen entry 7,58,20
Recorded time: 5,22,27
